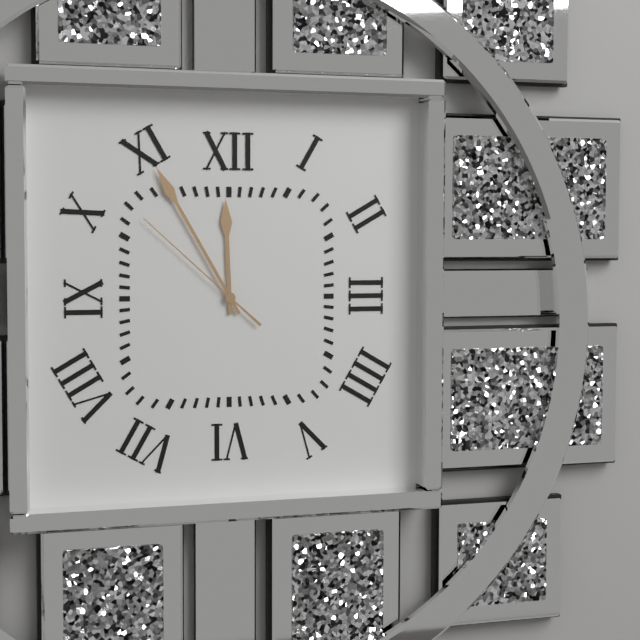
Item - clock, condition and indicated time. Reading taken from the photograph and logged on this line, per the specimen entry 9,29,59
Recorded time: 11,55,52
